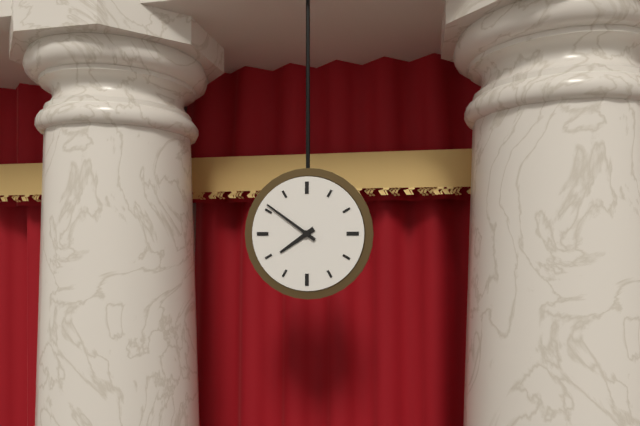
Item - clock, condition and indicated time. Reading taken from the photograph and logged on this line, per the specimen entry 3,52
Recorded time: 7,51
